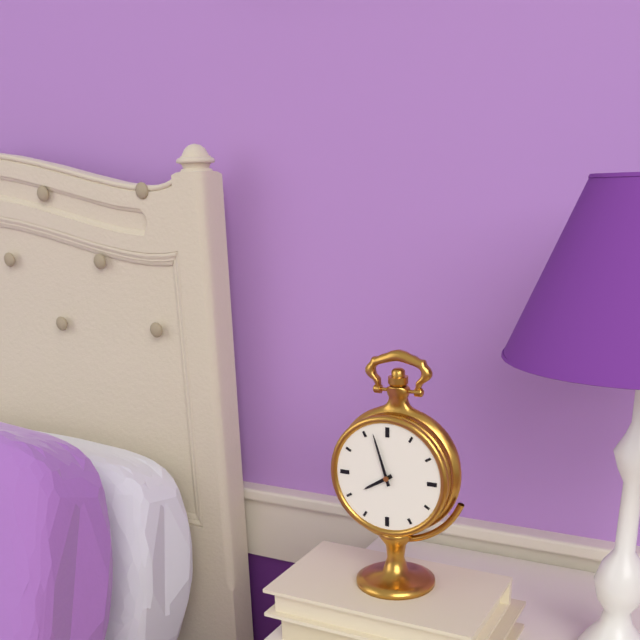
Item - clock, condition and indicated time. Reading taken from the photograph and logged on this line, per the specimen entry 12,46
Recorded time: 7,57
